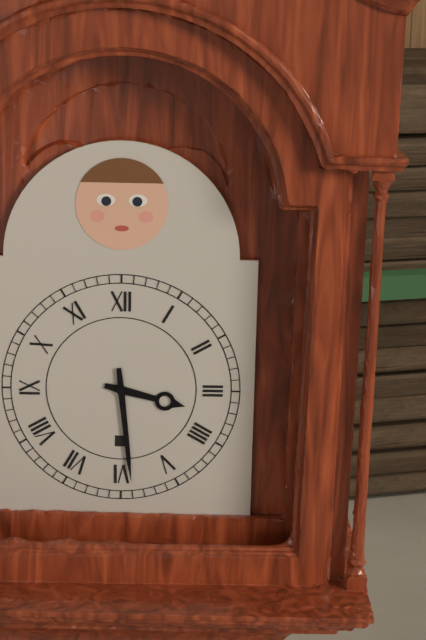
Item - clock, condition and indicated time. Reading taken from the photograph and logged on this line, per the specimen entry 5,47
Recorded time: 3,29
